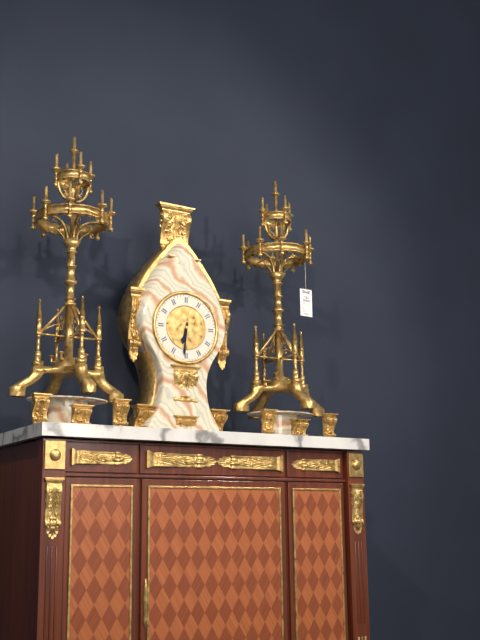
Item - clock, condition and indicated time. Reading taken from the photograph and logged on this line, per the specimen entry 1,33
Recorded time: 6,31
